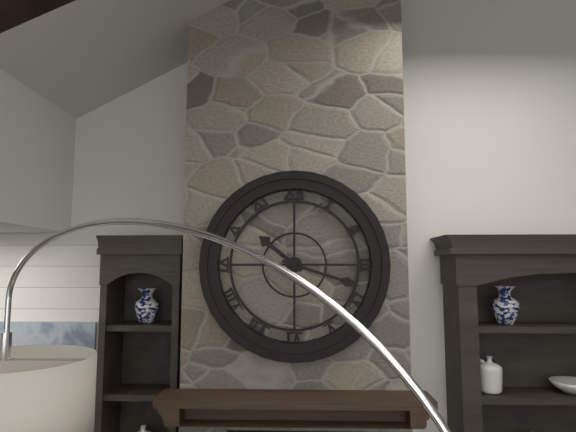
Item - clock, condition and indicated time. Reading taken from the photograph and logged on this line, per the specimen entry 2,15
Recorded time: 10,18
